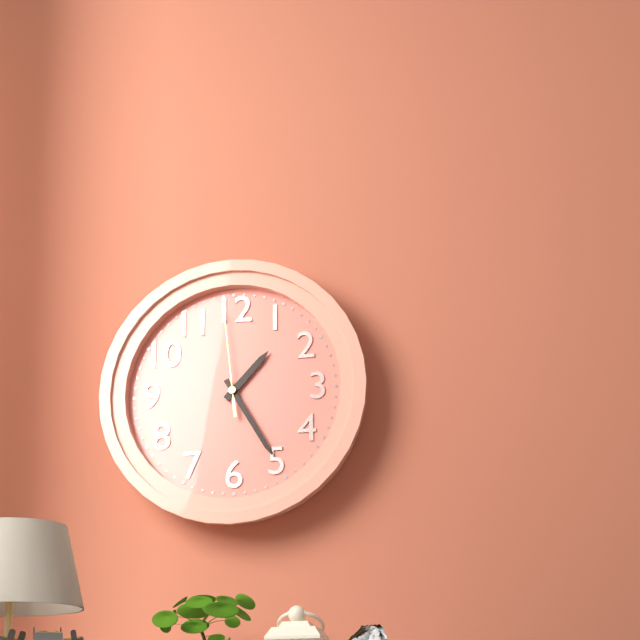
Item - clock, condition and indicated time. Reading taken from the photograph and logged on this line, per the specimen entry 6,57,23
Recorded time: 1,25,59
